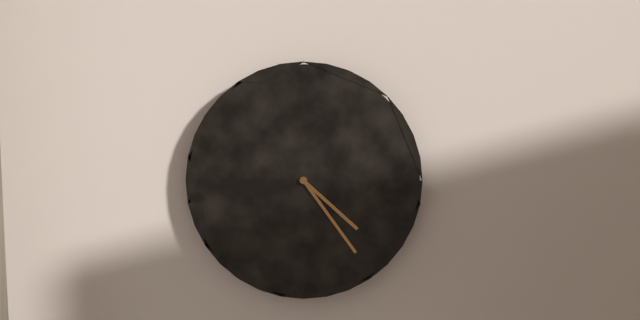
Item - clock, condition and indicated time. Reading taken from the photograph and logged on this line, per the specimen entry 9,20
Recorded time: 4,24
